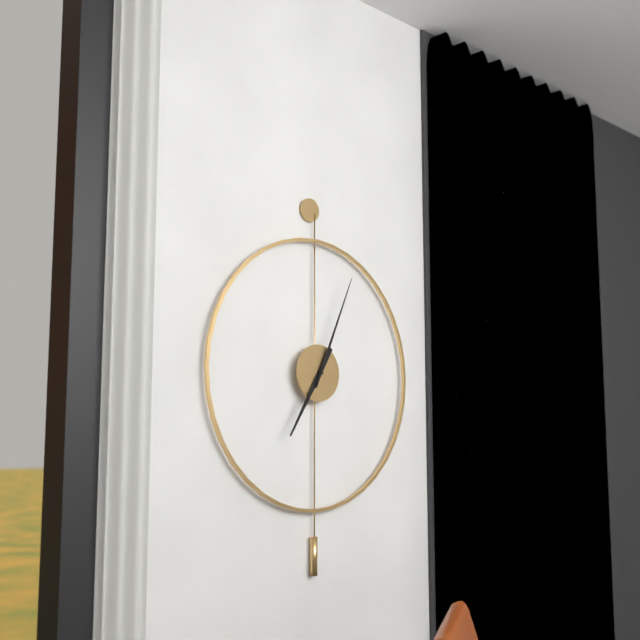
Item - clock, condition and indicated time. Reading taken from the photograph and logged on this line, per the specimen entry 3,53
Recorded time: 7,04
